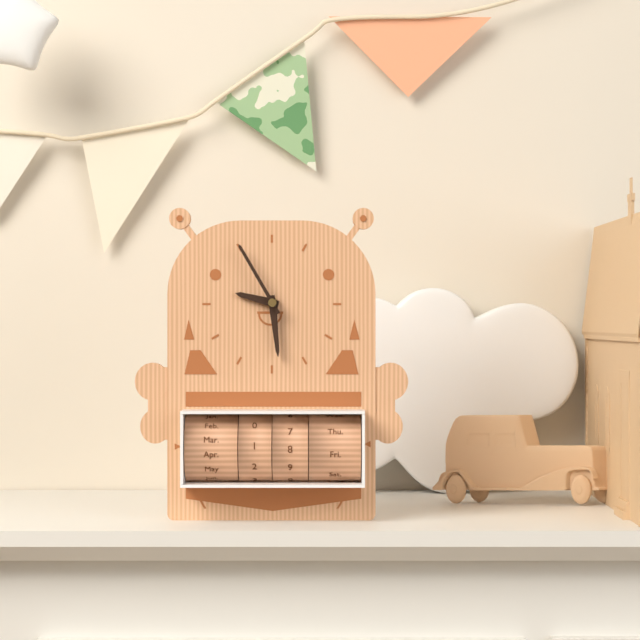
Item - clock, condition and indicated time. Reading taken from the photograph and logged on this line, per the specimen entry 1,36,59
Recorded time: 9,29,55
